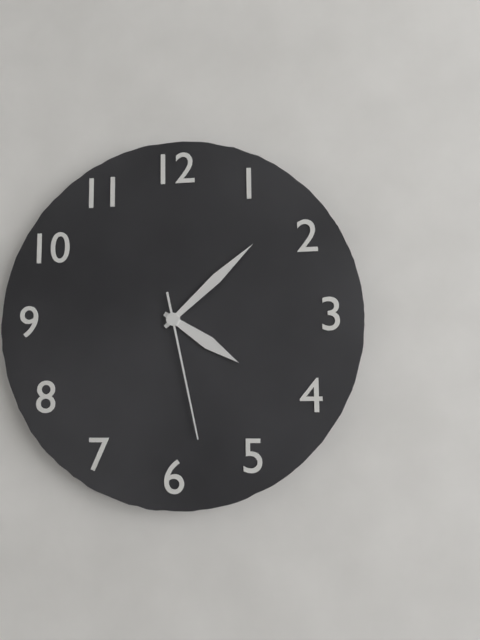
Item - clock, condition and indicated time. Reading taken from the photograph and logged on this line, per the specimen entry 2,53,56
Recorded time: 4,08,28
